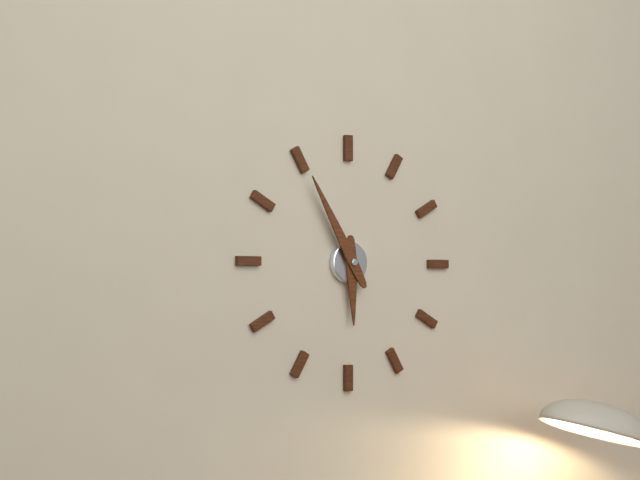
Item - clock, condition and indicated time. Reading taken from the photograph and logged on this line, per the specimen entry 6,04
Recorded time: 5,55
